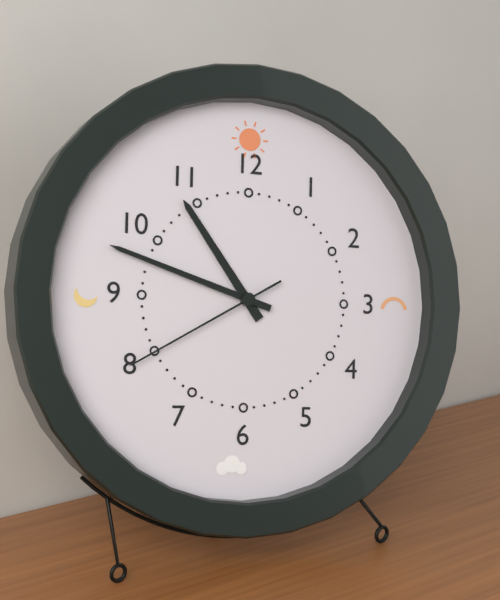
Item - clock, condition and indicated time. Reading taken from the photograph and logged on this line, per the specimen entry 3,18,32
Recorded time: 10,48,40
